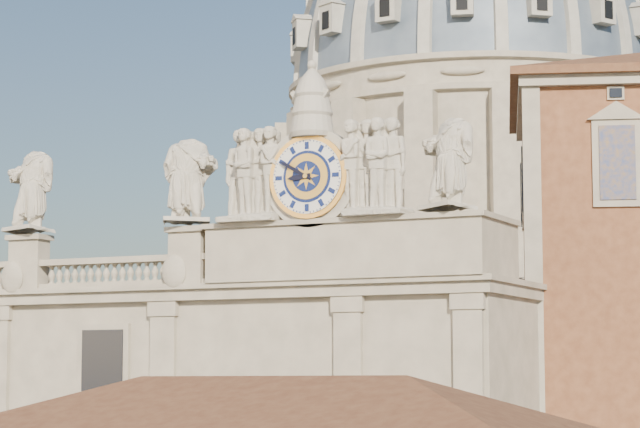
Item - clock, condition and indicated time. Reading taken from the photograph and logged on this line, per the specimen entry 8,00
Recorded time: 8,50
